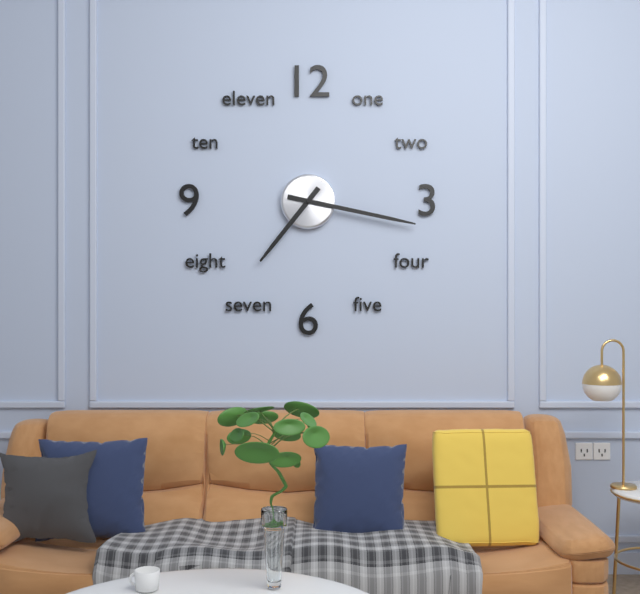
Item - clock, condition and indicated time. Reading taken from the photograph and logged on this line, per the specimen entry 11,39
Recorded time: 7,17
